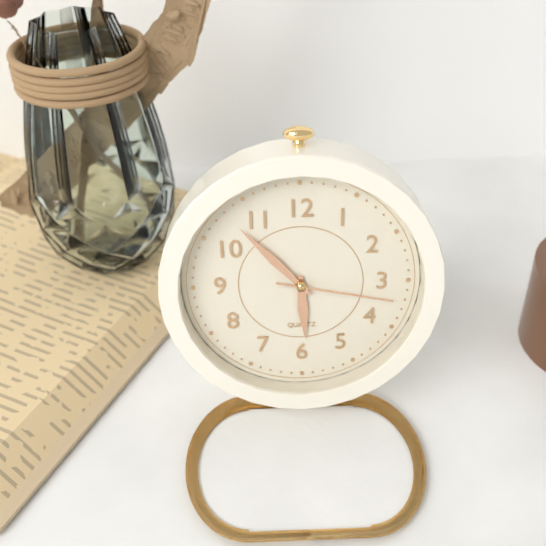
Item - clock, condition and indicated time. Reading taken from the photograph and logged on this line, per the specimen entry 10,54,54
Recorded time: 5,53,17
